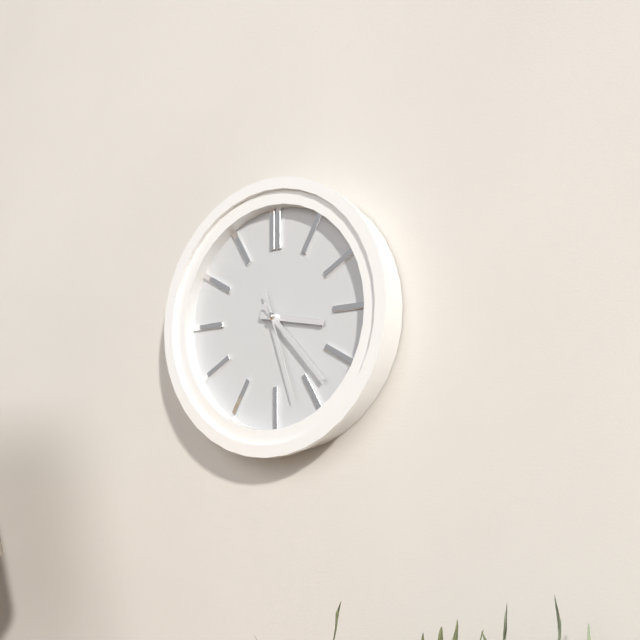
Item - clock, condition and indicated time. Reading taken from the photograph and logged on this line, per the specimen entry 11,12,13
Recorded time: 3,23,27
